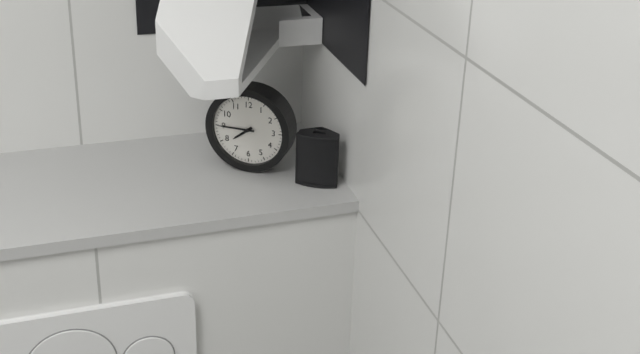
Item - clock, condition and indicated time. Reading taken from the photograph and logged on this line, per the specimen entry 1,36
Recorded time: 7,45
